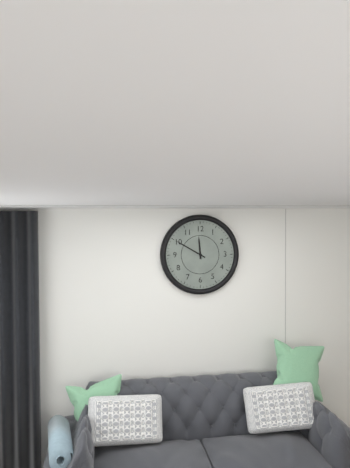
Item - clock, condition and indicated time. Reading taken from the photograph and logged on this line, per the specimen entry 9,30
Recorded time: 11,50
